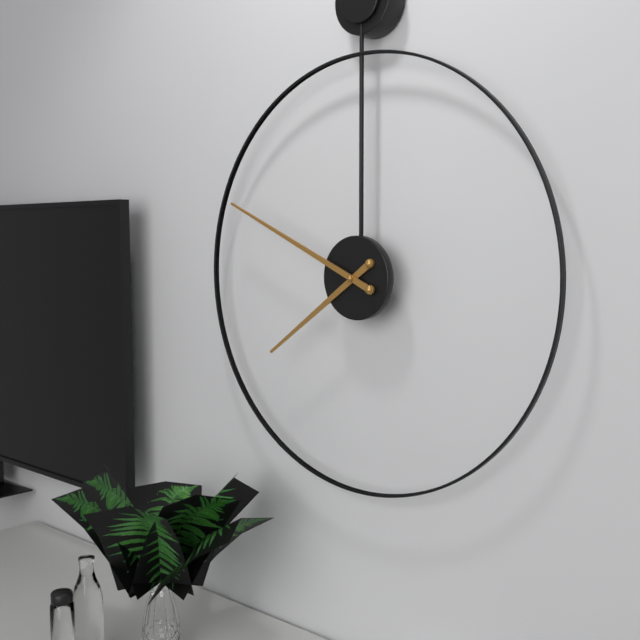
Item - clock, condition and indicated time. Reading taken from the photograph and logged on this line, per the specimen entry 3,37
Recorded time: 7,49
